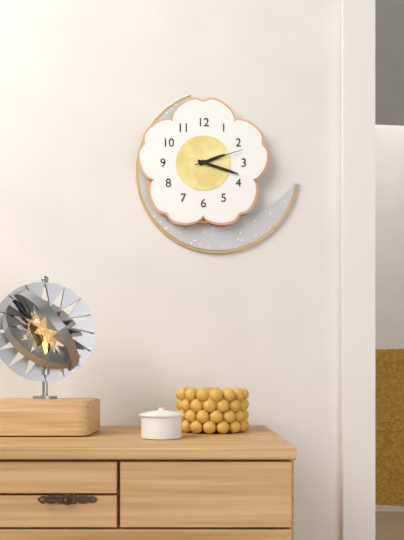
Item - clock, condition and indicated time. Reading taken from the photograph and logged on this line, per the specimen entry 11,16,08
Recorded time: 2,18,12
